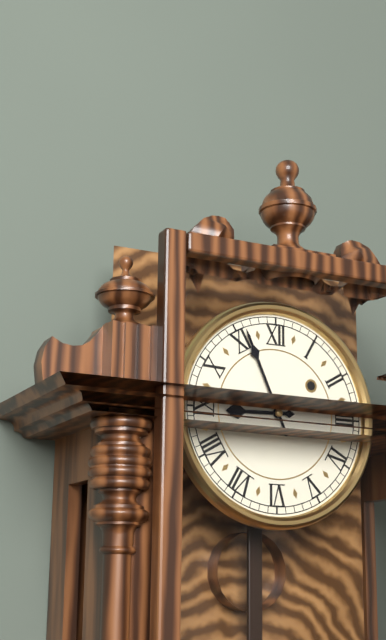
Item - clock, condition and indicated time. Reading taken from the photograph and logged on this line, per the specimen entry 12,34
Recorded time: 8,56
